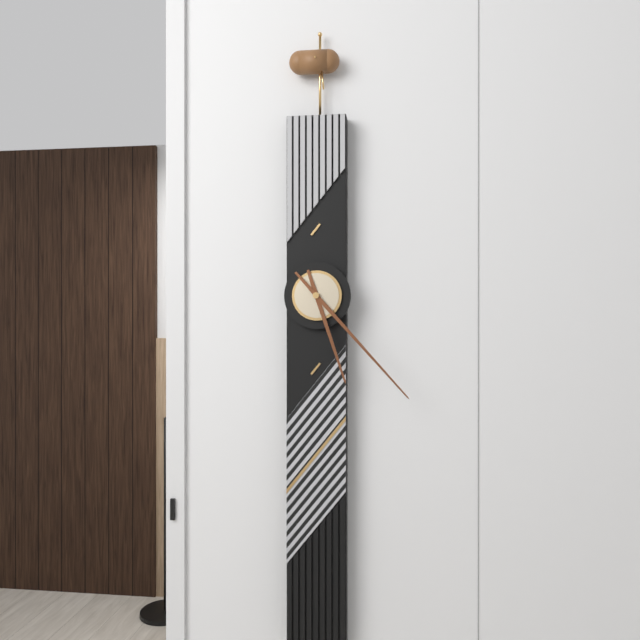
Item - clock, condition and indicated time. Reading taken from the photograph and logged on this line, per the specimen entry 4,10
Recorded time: 5,23
